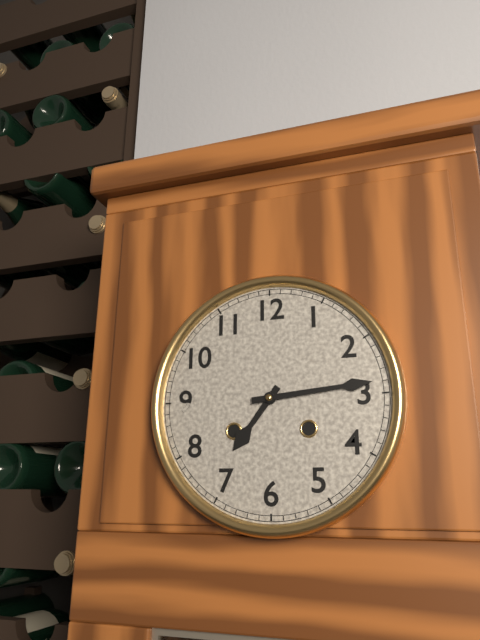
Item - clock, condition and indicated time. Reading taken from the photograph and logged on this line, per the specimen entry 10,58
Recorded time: 7,14
